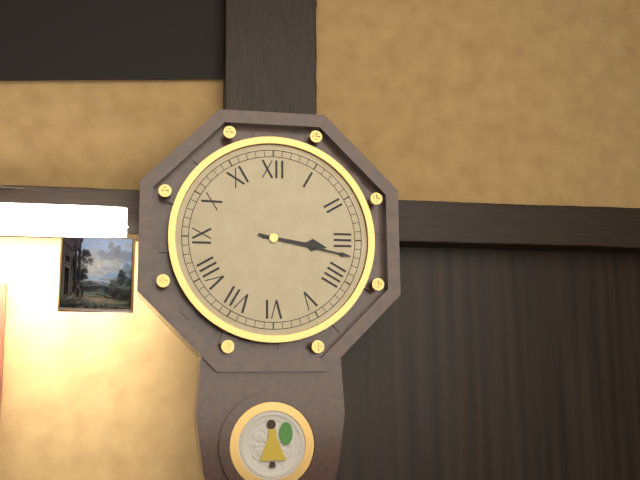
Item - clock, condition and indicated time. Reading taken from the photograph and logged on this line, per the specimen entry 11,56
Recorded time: 3,17
